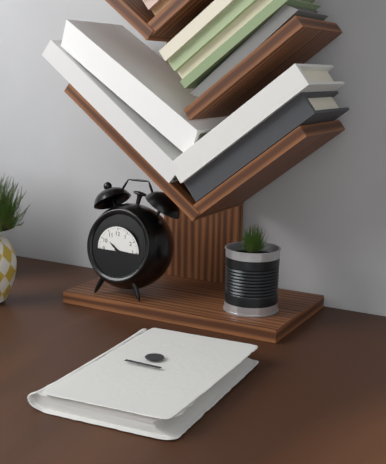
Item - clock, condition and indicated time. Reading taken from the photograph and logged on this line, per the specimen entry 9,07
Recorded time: 10,16
